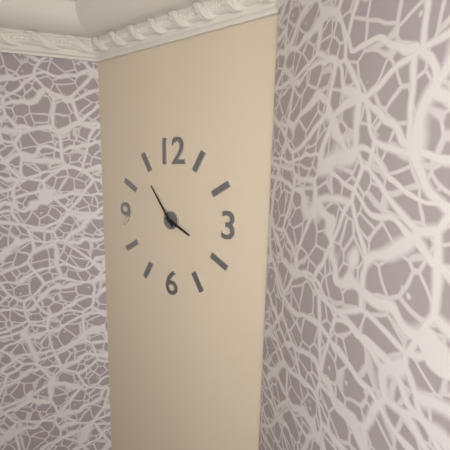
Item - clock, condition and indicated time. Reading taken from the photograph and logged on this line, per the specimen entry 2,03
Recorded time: 3,54
